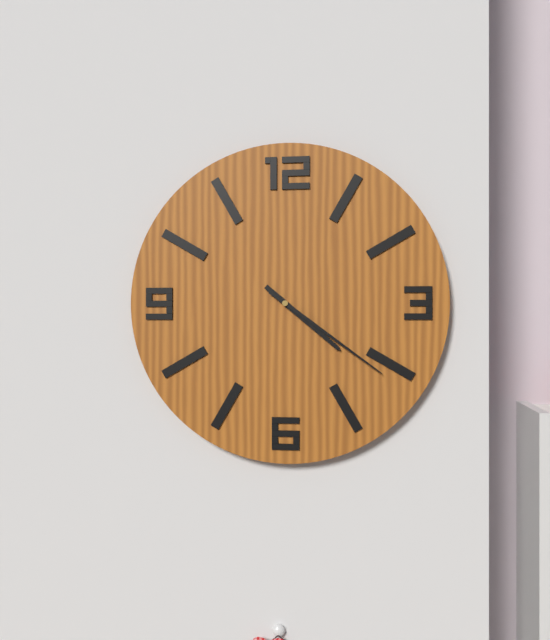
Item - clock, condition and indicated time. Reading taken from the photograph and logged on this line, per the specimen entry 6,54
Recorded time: 4,21
